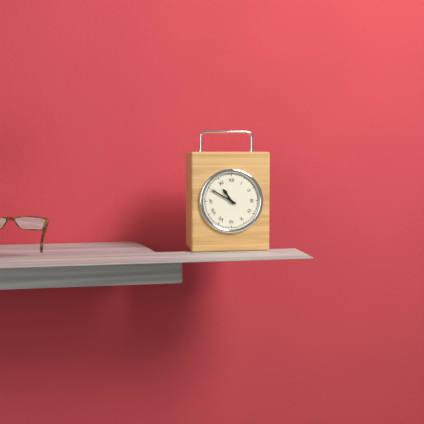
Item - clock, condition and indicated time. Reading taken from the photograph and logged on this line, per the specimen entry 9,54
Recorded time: 10,50
